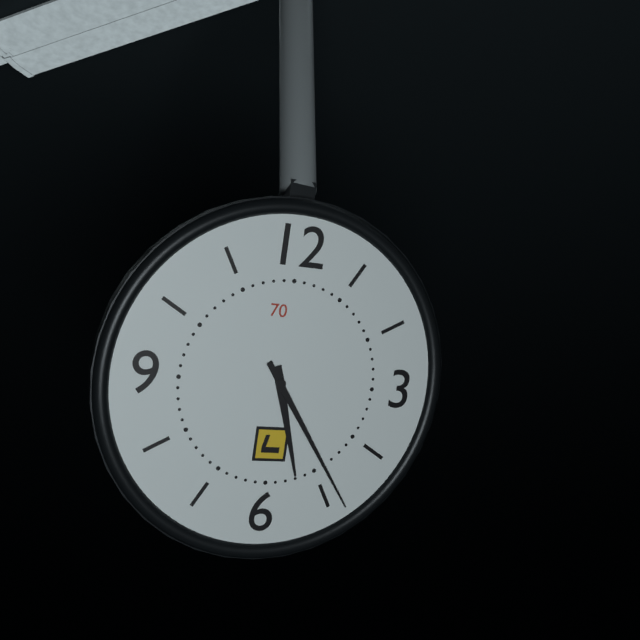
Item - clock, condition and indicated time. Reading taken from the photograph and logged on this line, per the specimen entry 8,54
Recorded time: 5,24
